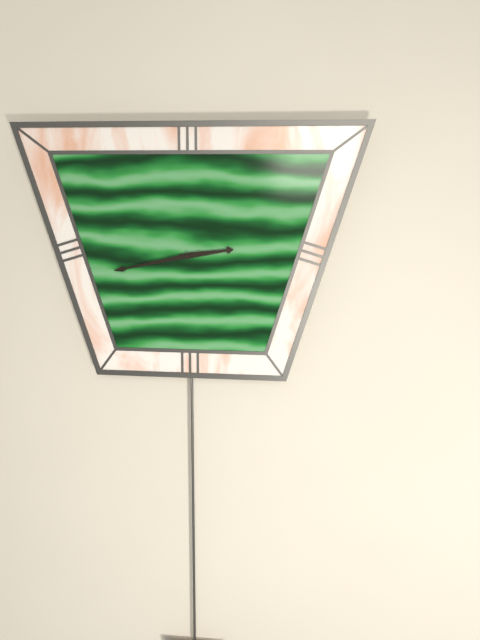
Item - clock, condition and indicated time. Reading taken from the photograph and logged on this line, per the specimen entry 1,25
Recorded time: 2,43
